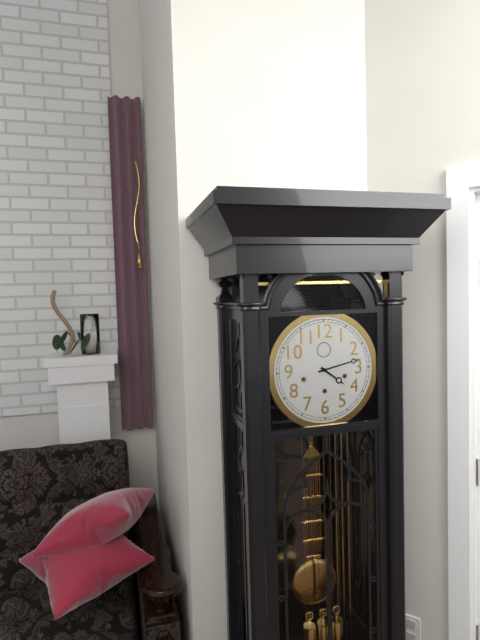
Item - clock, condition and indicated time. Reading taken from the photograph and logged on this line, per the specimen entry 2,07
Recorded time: 4,13
